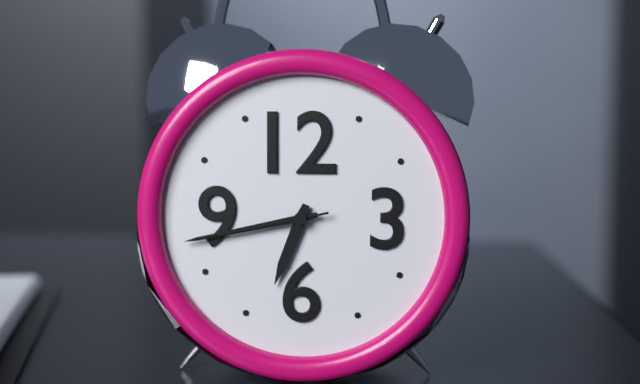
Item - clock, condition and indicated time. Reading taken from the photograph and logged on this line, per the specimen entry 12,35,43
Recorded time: 6,43,43
